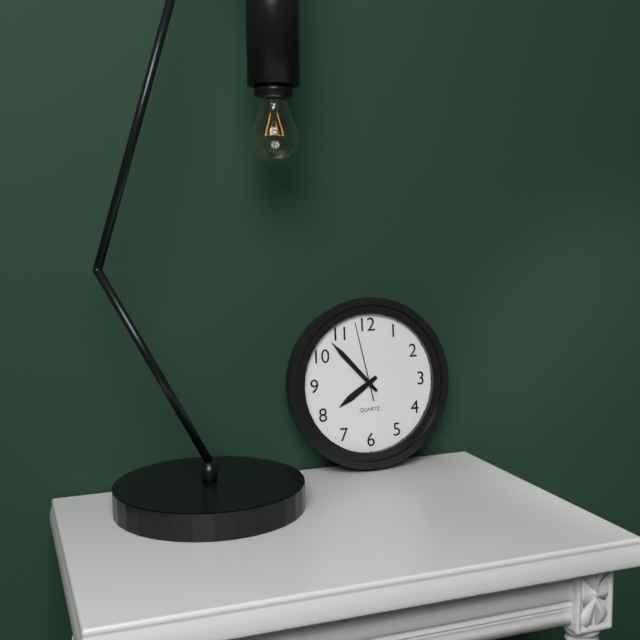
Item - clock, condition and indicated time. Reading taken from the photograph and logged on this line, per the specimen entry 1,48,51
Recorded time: 7,53,58
